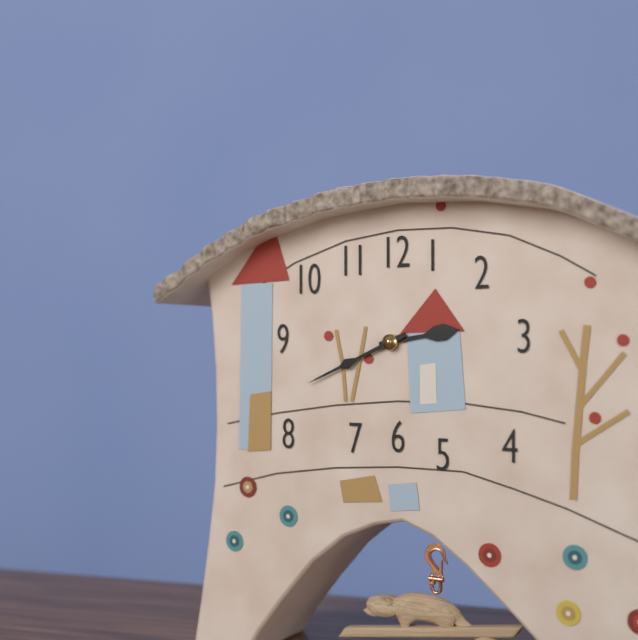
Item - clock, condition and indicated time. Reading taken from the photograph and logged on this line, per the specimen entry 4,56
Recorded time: 2,41
